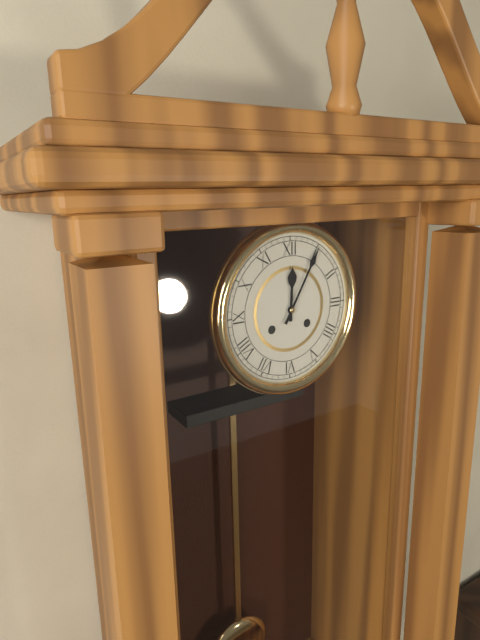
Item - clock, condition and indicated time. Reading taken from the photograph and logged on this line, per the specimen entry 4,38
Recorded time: 12,05
